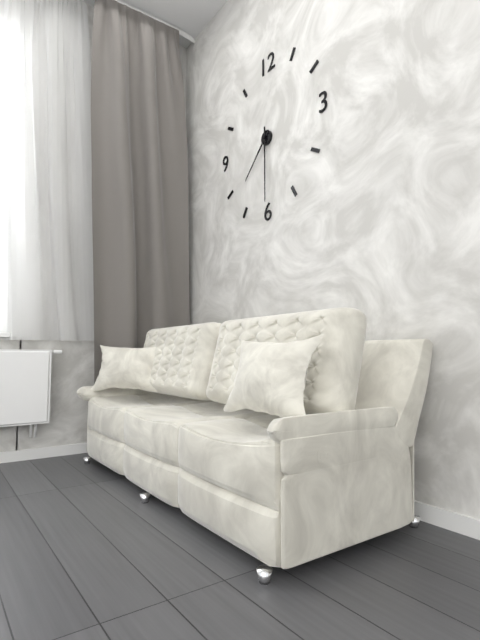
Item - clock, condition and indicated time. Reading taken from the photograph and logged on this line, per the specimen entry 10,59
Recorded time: 7,30
